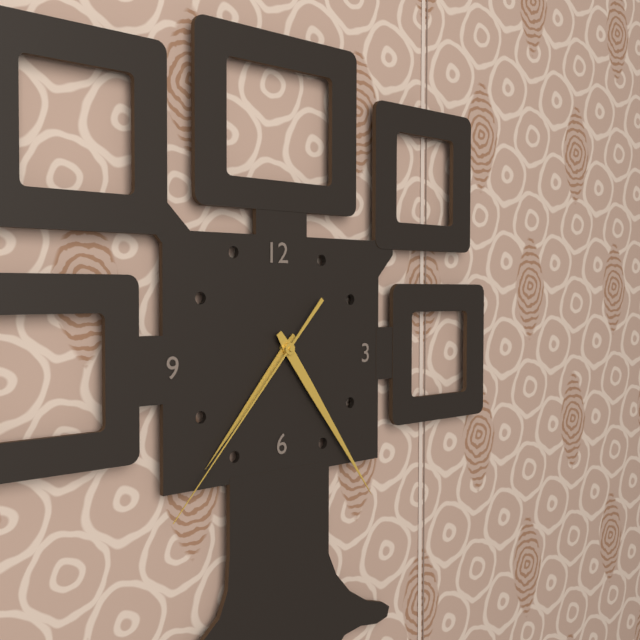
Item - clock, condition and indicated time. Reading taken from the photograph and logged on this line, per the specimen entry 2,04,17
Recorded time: 7,24,37
